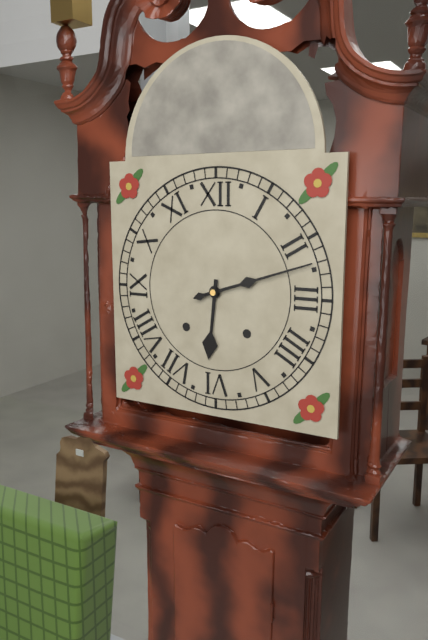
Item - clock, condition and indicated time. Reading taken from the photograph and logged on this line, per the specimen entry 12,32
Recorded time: 6,12
